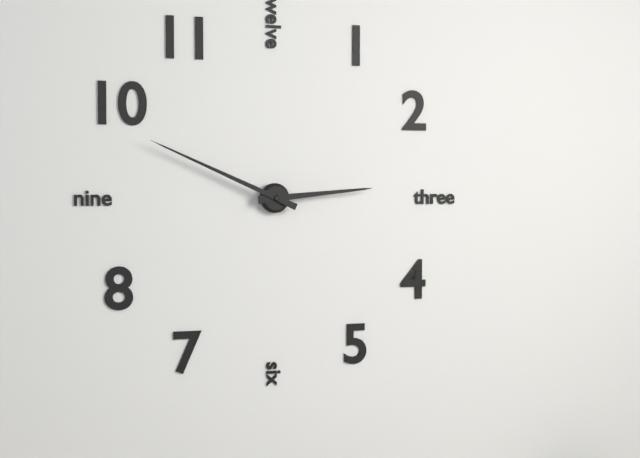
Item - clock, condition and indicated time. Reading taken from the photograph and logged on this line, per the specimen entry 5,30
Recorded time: 2,49
